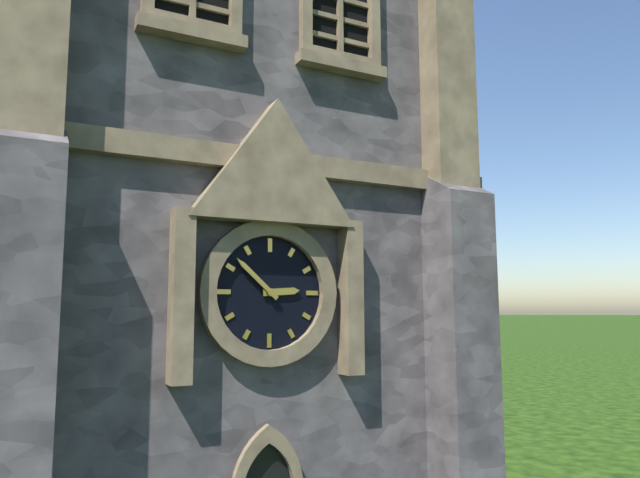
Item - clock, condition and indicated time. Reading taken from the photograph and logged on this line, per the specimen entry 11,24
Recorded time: 2,52
